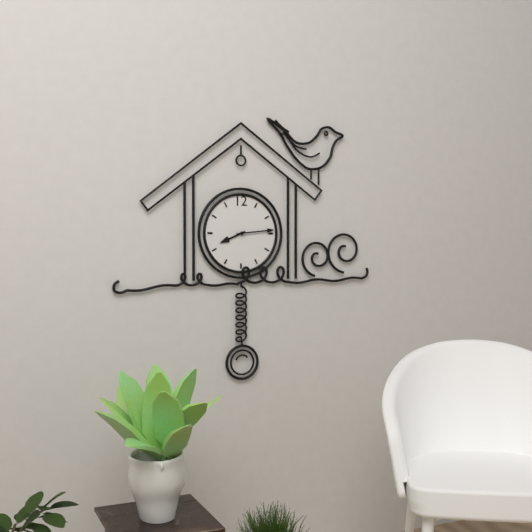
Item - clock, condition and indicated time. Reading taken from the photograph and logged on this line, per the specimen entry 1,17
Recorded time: 8,14
